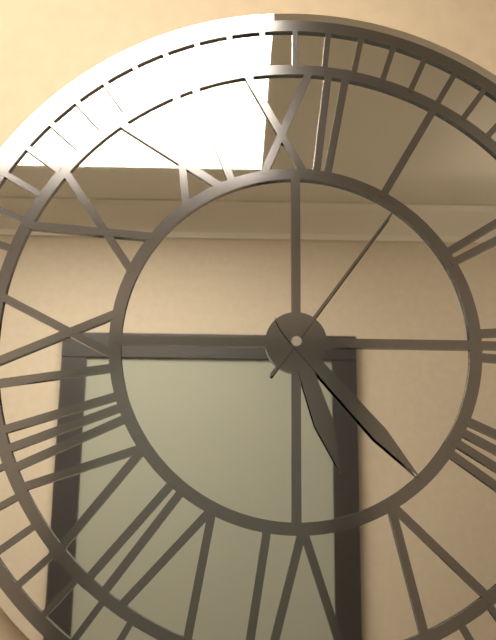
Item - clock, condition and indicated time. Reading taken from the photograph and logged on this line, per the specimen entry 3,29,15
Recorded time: 5,23,06
